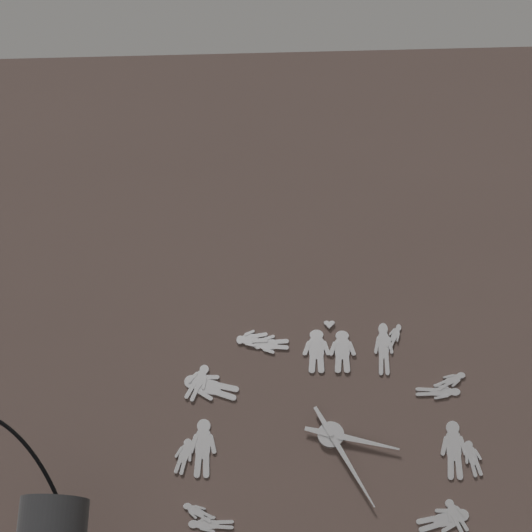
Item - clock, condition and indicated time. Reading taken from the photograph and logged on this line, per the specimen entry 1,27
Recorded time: 3,25
